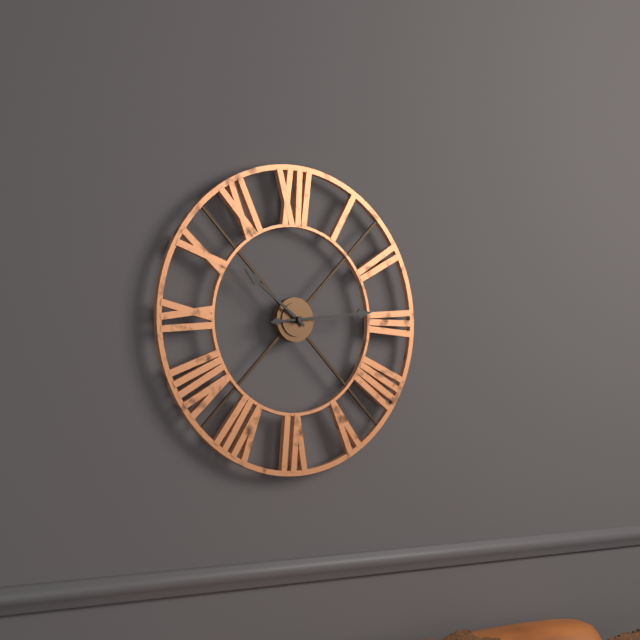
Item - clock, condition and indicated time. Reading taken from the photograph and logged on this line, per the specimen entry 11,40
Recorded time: 10,14
